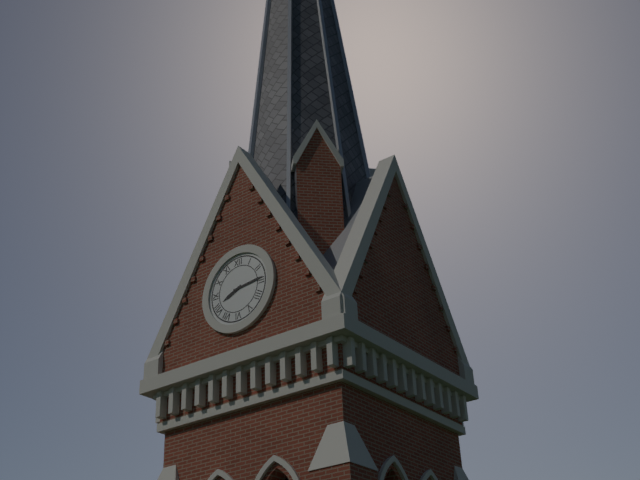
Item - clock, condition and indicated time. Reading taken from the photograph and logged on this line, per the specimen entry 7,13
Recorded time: 8,14
